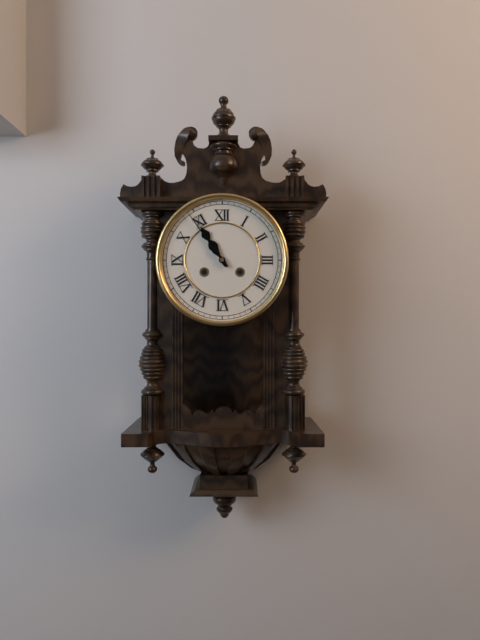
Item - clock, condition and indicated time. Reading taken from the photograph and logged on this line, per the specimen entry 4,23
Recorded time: 10,54
